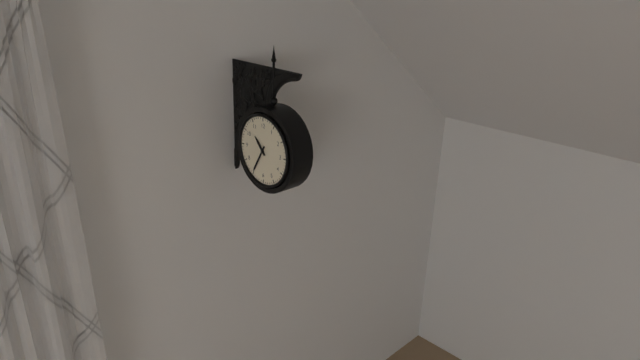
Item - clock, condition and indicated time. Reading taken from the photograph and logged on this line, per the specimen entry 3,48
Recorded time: 10,35
